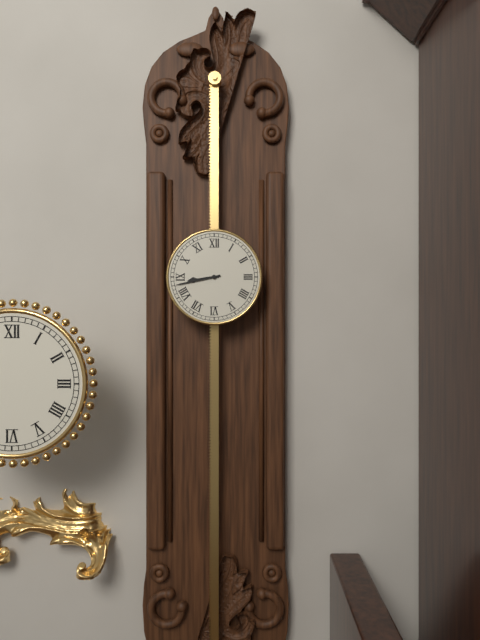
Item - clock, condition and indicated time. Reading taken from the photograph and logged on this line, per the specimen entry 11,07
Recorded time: 8,43
